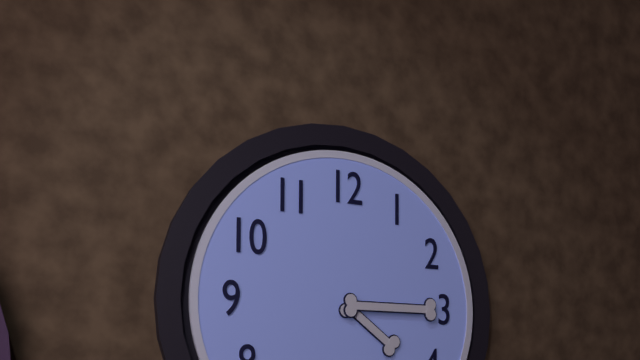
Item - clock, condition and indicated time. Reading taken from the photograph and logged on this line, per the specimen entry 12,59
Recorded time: 4,15
